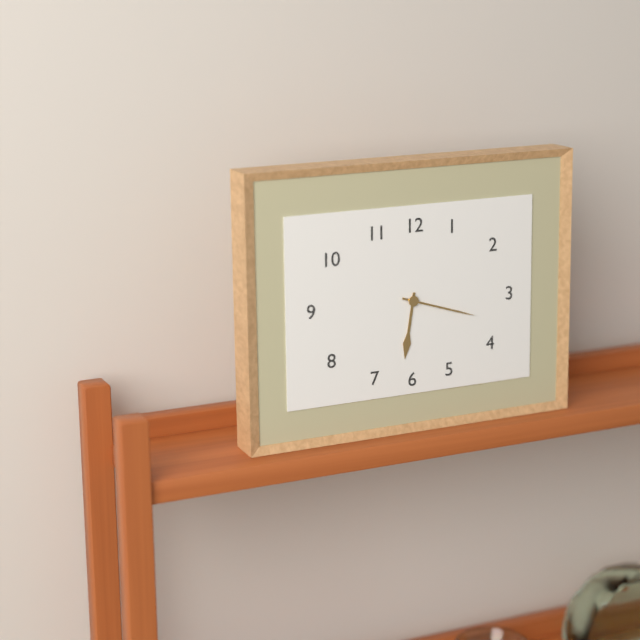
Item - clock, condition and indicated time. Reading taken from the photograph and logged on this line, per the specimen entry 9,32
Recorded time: 6,18
